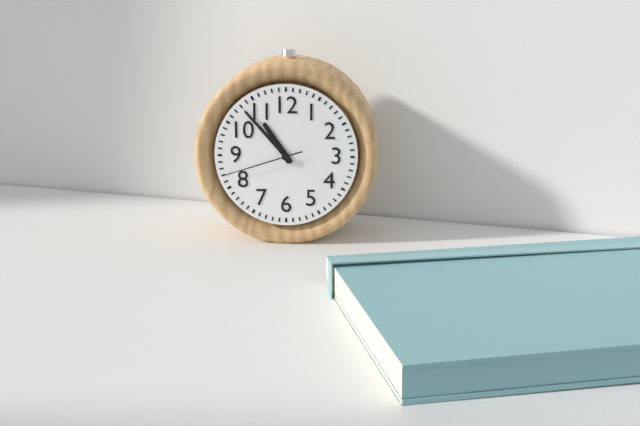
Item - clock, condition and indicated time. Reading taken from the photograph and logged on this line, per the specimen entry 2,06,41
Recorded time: 10,53,42
